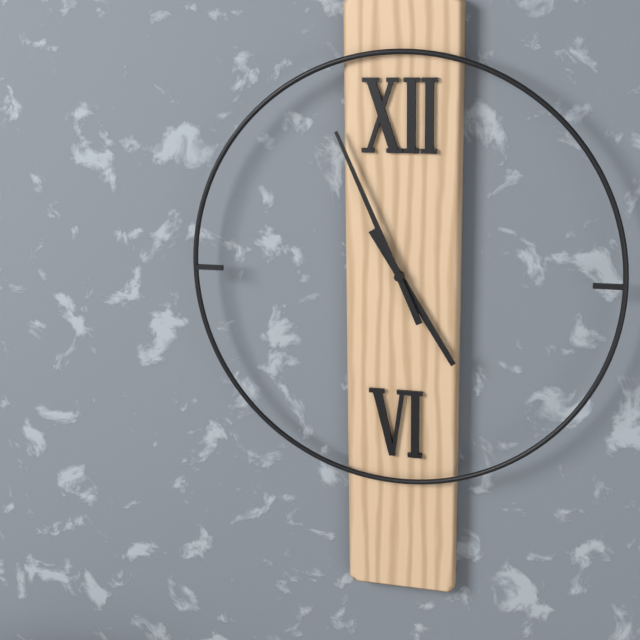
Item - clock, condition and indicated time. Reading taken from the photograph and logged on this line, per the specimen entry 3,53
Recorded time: 4,56
